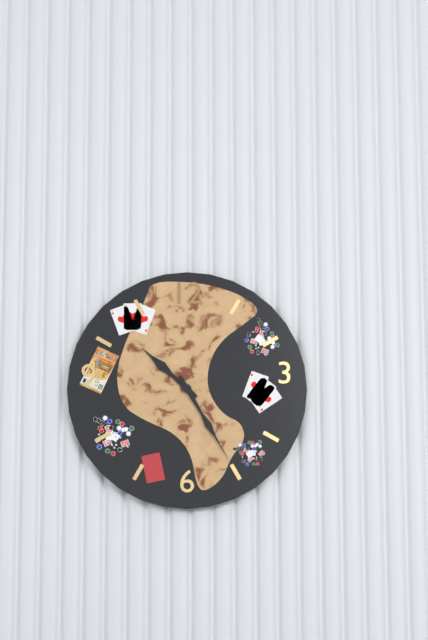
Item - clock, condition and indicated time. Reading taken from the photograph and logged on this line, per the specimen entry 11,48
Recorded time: 10,25
